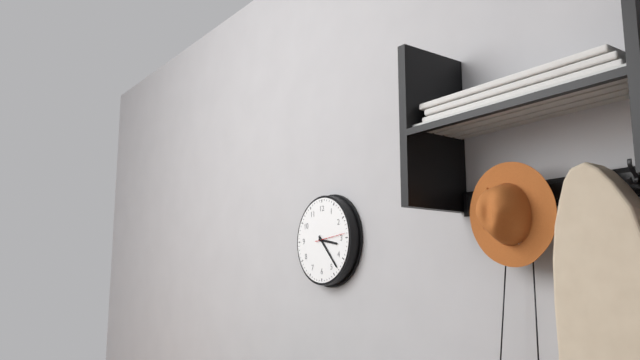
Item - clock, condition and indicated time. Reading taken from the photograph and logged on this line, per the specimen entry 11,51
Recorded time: 3,23
